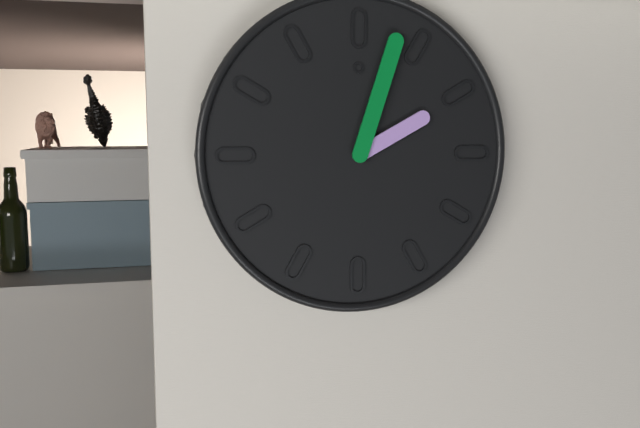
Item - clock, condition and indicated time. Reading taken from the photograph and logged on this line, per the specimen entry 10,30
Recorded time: 2,03
